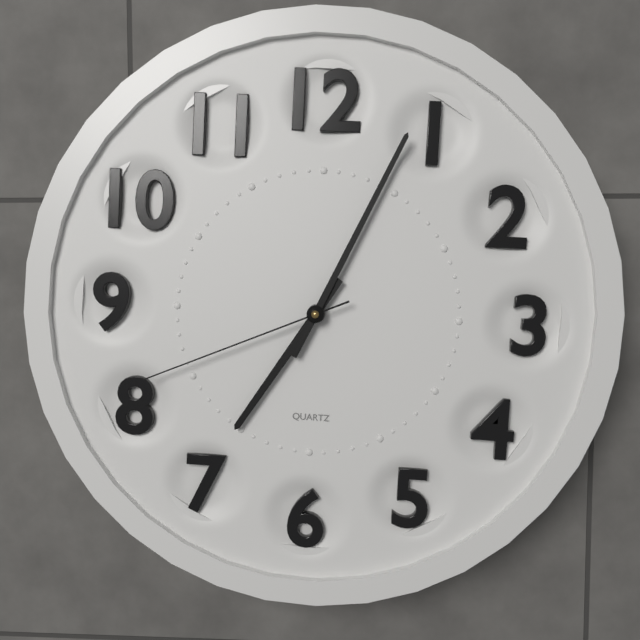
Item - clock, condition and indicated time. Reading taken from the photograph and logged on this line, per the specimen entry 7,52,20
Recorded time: 7,04,41
